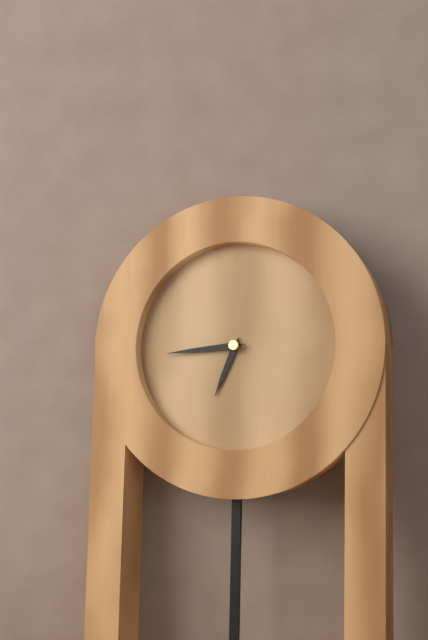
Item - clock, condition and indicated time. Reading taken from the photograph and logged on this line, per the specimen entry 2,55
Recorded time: 6,44
